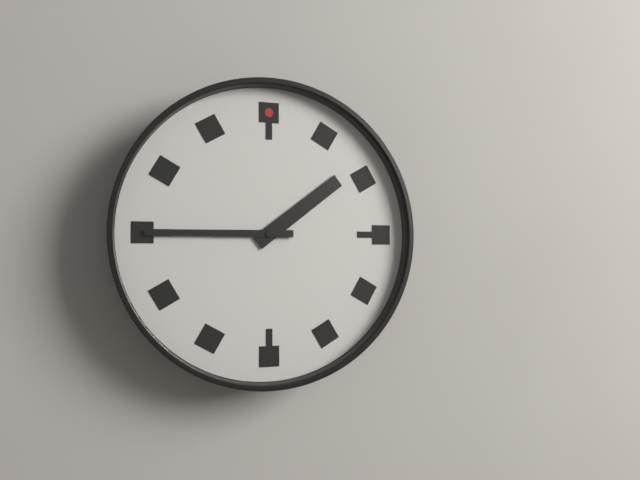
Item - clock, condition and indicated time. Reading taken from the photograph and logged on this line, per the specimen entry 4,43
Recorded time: 1,45
